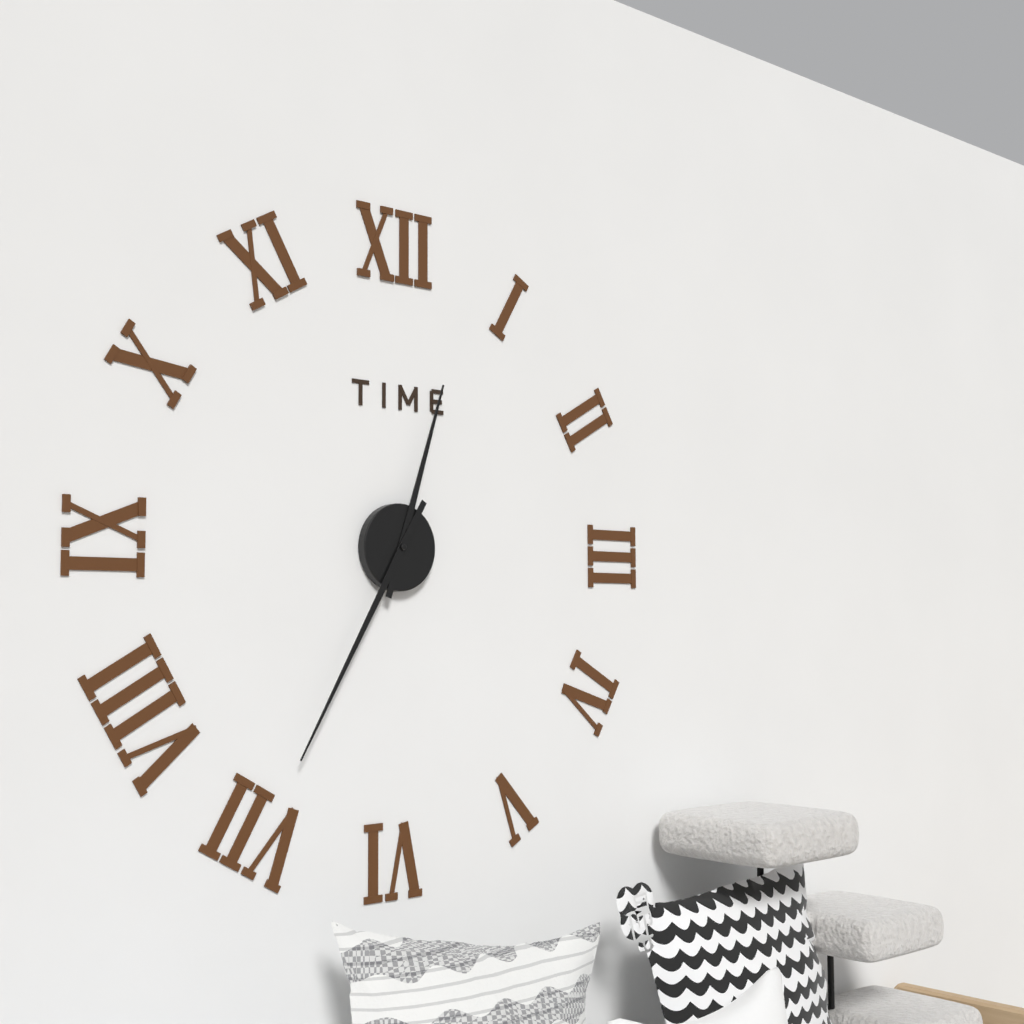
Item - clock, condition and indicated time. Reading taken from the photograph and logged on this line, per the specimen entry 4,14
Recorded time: 12,35
